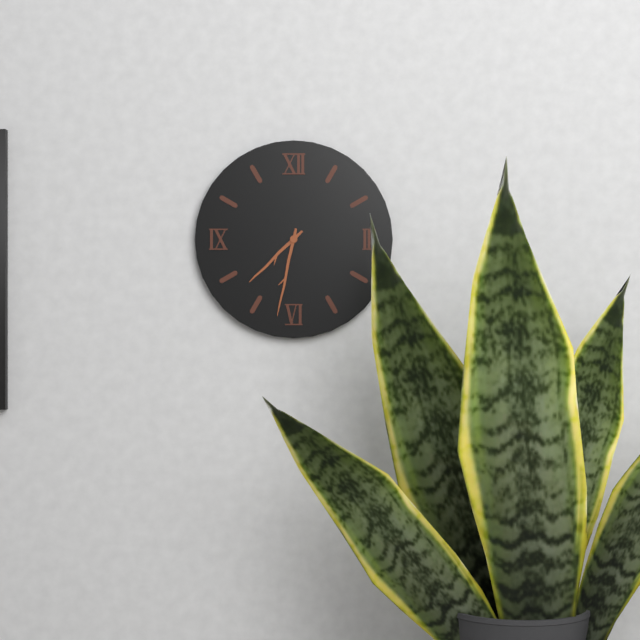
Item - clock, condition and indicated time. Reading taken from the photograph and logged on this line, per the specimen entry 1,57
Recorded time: 7,32
